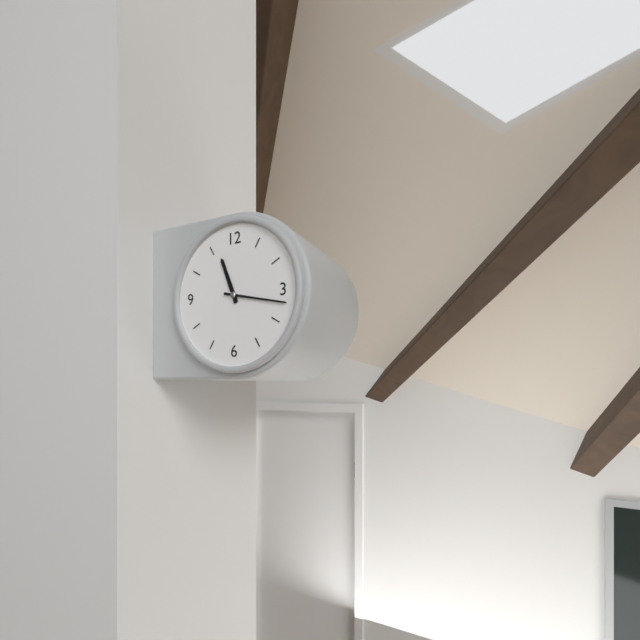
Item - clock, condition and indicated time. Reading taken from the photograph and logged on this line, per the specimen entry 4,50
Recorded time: 11,17
